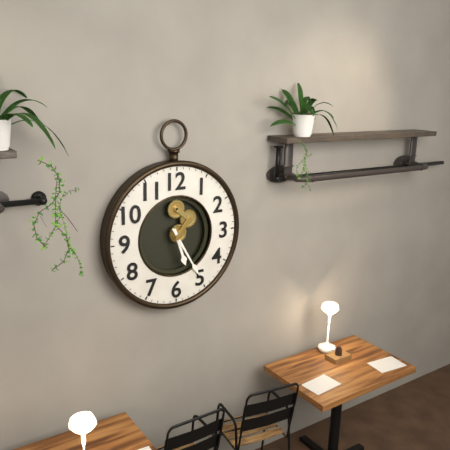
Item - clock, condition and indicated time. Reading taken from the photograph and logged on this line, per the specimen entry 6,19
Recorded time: 5,25
